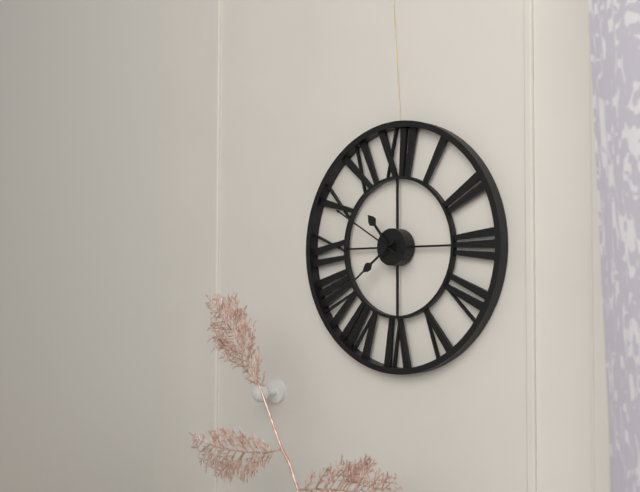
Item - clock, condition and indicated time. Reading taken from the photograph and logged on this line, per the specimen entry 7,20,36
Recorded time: 10,39,50
